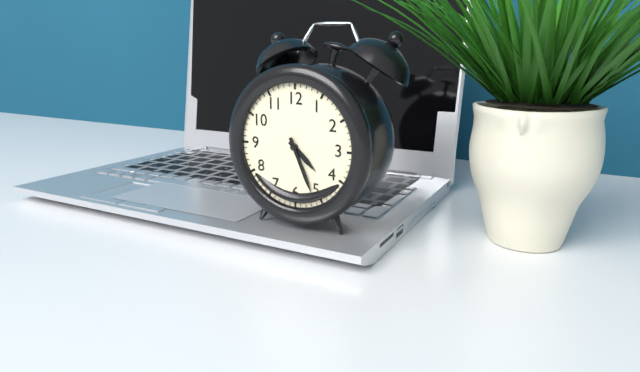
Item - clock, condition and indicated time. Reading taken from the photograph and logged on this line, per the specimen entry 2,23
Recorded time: 4,26
